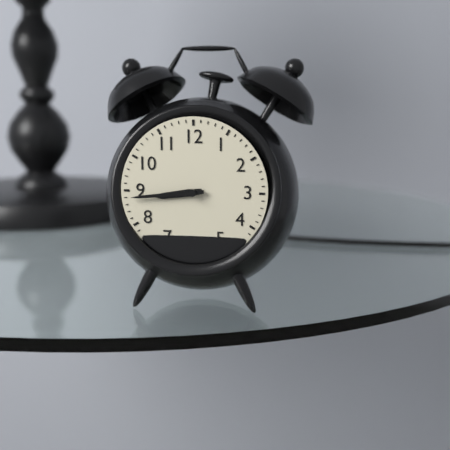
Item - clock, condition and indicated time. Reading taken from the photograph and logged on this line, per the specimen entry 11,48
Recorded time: 8,44
